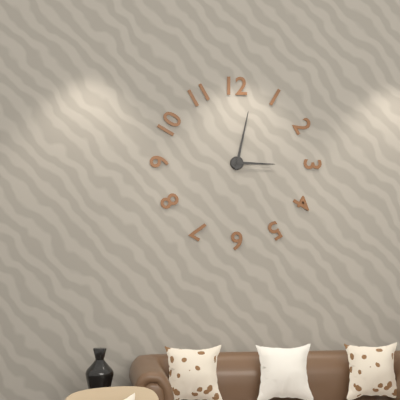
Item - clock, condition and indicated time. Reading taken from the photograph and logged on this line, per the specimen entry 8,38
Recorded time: 3,02
